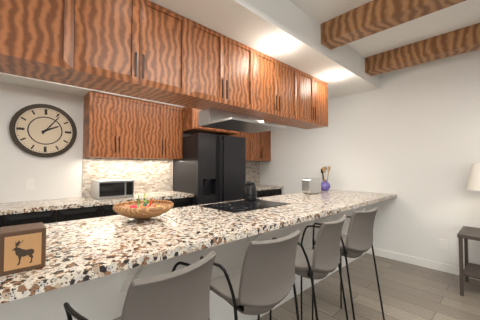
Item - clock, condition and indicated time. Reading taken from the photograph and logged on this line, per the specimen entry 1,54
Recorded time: 2,06
